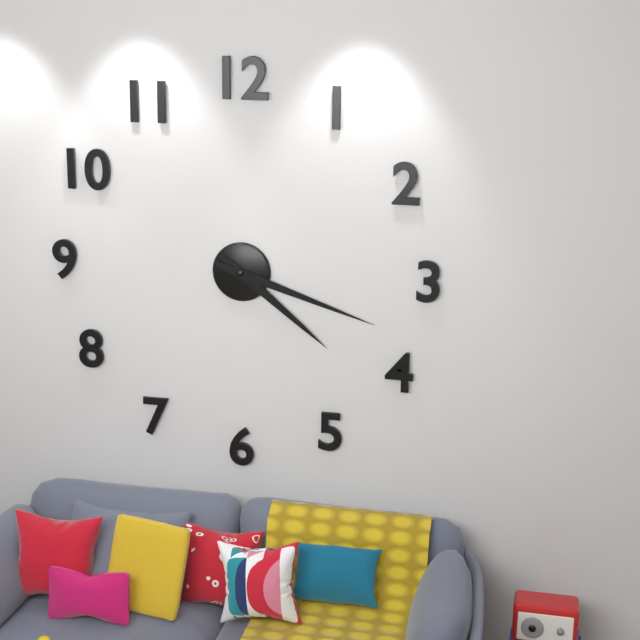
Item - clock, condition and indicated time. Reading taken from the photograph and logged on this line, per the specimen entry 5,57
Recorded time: 4,18
